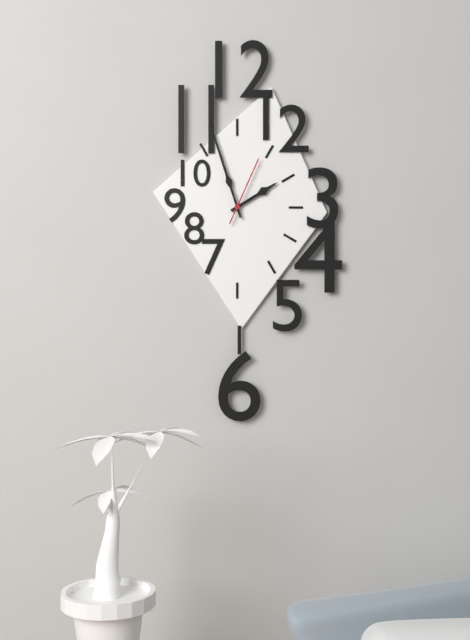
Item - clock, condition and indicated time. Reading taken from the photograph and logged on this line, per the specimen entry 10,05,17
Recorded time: 1,57,04
